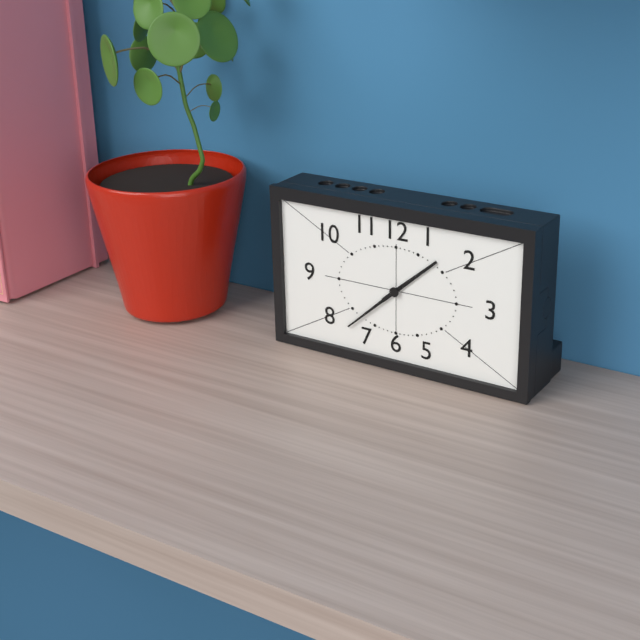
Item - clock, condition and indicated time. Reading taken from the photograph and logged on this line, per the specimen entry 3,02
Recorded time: 1,38
